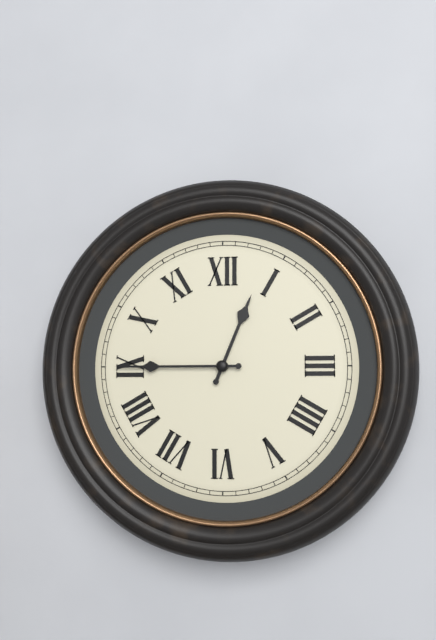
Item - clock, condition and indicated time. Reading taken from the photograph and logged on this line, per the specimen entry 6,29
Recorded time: 12,45
